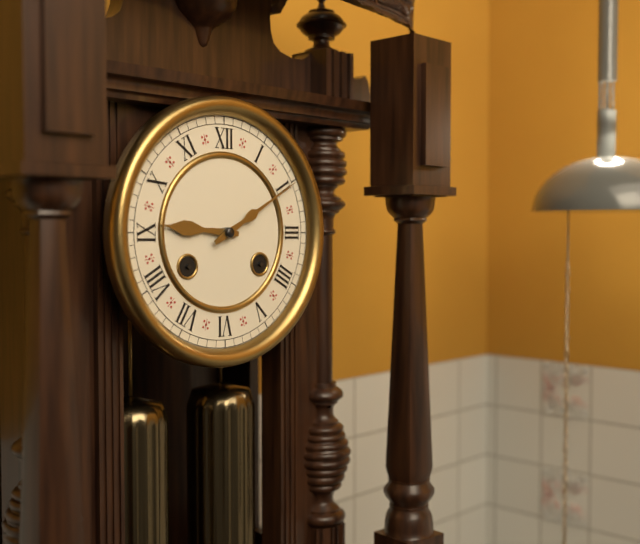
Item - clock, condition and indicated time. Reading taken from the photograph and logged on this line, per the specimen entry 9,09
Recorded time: 9,10
